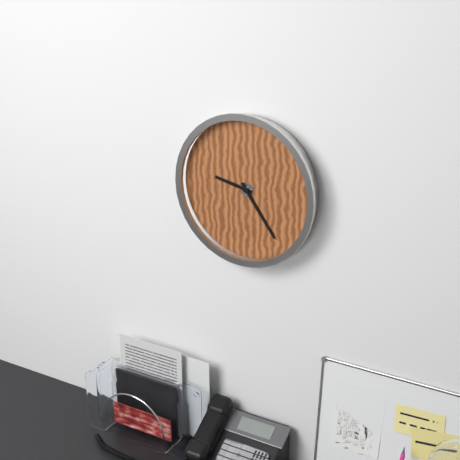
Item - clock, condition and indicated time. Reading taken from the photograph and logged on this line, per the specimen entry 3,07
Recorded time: 9,24
